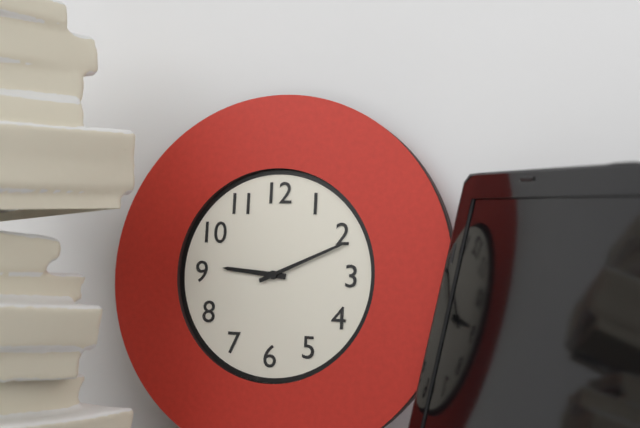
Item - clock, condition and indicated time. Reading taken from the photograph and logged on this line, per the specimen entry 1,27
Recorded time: 9,11
